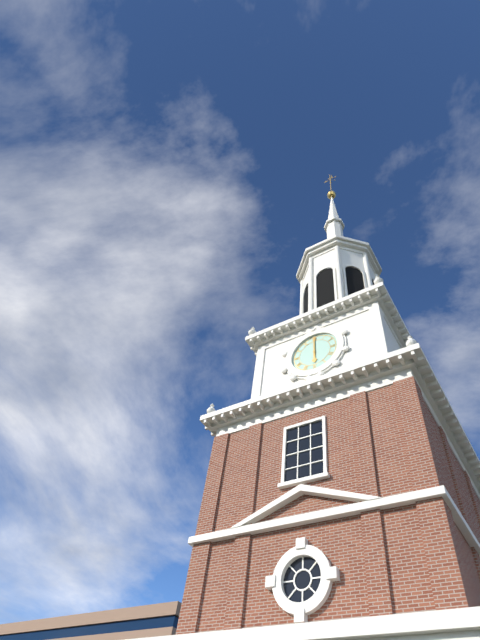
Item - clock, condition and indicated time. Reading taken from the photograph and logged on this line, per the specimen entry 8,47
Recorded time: 6,00
